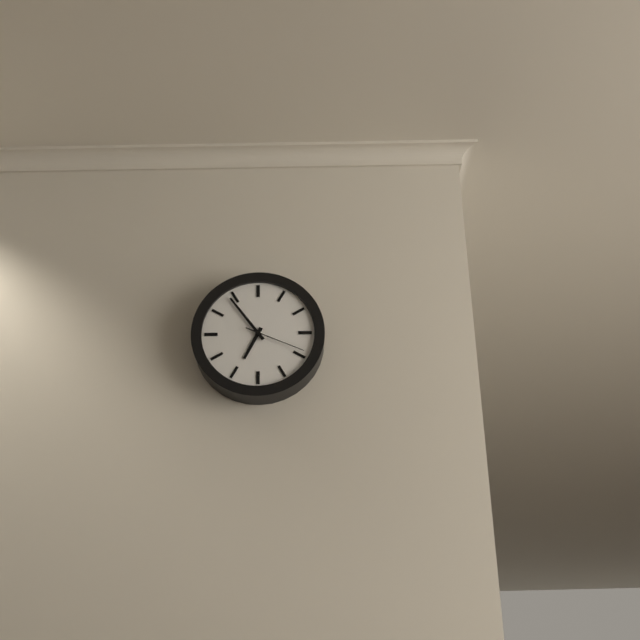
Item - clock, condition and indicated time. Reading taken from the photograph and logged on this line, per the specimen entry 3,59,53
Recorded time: 6,54,19
